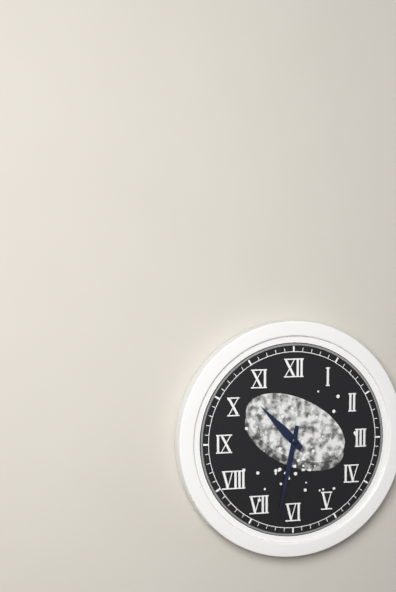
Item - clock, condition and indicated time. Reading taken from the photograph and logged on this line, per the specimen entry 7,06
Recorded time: 10,32
